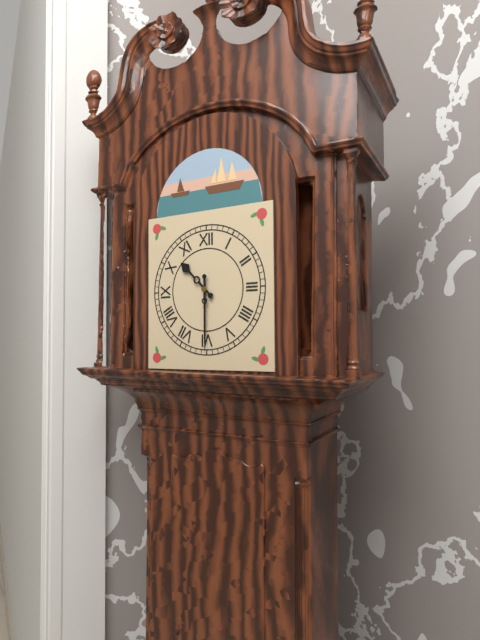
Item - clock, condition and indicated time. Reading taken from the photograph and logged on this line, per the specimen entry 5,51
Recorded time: 10,30
